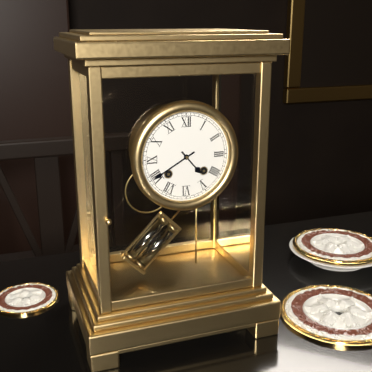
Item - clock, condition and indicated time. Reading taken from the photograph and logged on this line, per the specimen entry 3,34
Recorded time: 4,40
